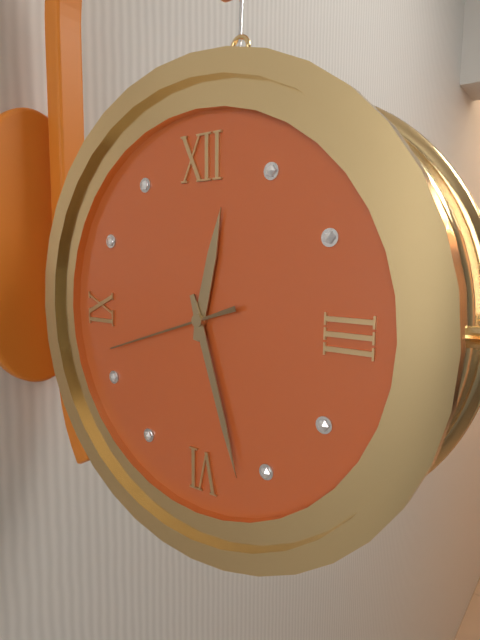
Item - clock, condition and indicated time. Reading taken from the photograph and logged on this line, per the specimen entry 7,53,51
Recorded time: 12,27,42
